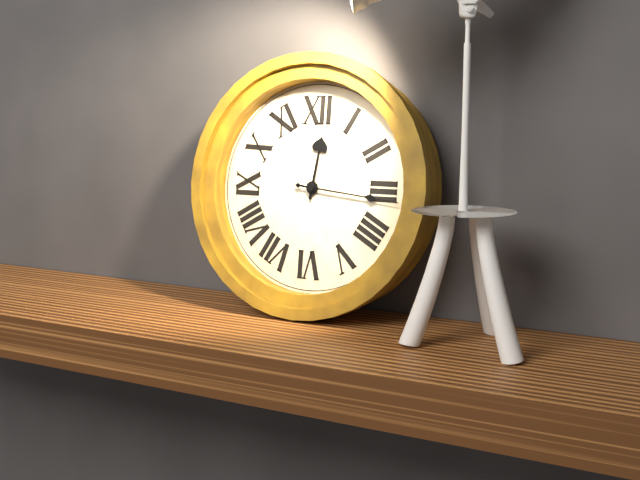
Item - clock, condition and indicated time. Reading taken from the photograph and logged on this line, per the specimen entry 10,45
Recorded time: 12,16
